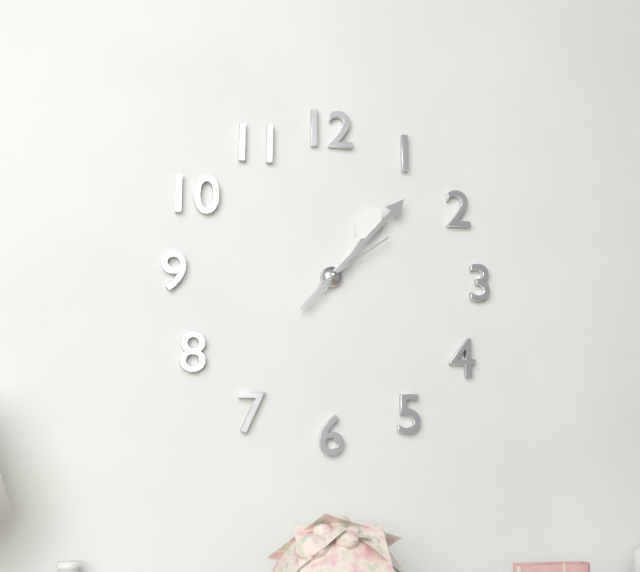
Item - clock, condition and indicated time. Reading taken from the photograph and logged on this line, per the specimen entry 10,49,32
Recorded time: 1,07,09
